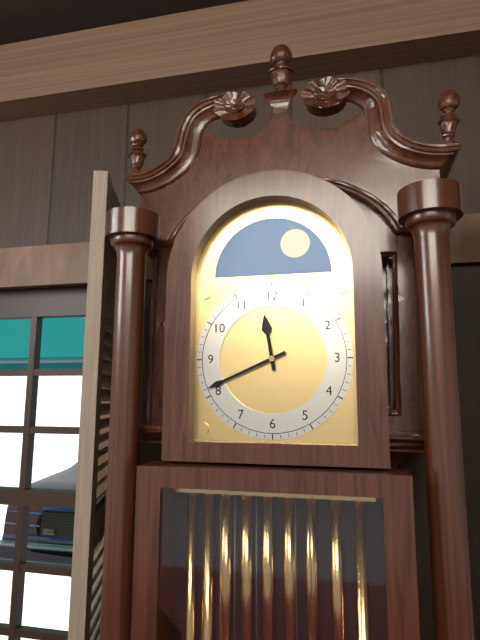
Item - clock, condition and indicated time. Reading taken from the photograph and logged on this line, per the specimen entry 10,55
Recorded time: 11,41
